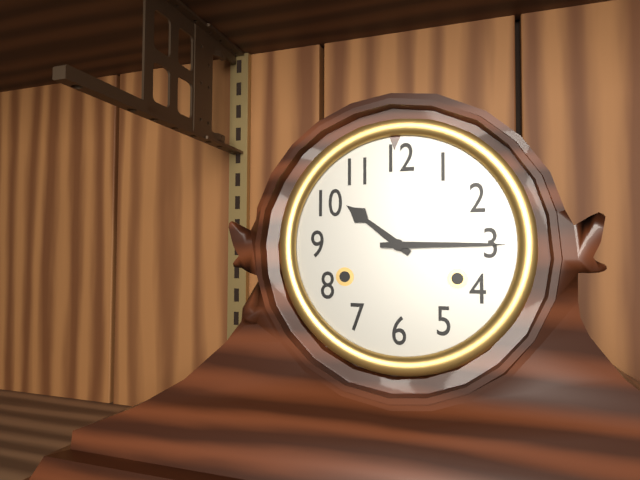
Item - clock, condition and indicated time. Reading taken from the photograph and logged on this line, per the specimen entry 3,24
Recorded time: 10,15
